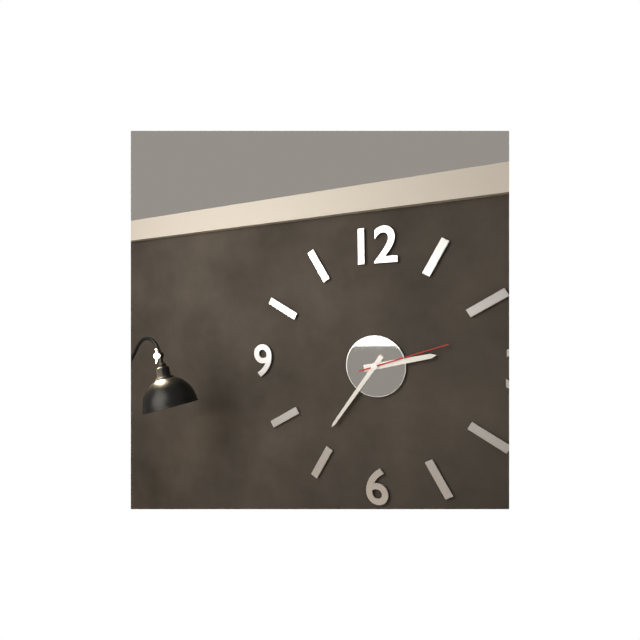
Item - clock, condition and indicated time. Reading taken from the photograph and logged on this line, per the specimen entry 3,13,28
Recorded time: 2,36,12
